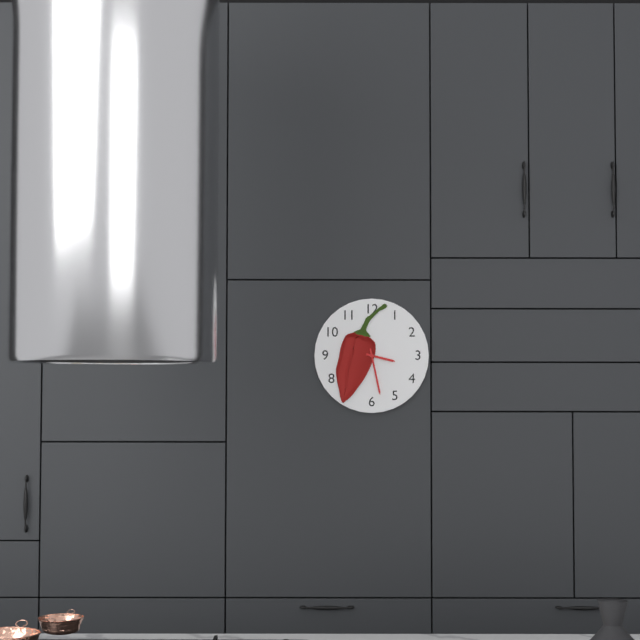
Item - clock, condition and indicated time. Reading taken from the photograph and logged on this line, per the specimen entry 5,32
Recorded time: 3,28
